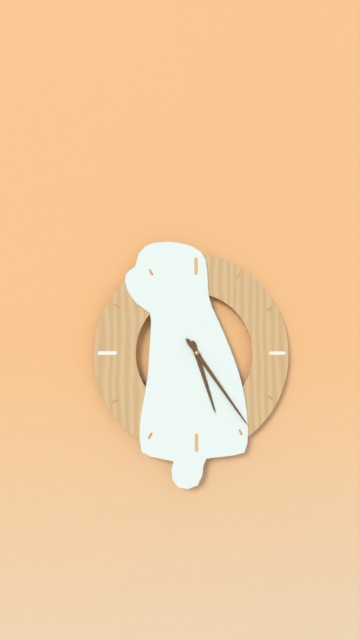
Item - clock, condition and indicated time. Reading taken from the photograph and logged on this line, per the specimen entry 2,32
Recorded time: 5,24
